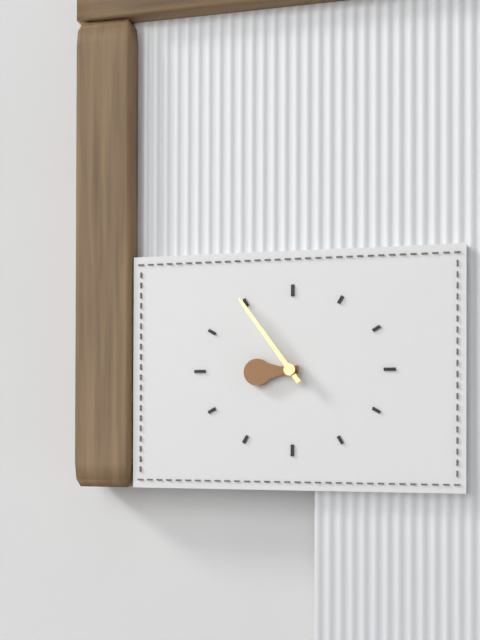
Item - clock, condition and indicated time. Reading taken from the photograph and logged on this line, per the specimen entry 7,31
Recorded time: 8,54
